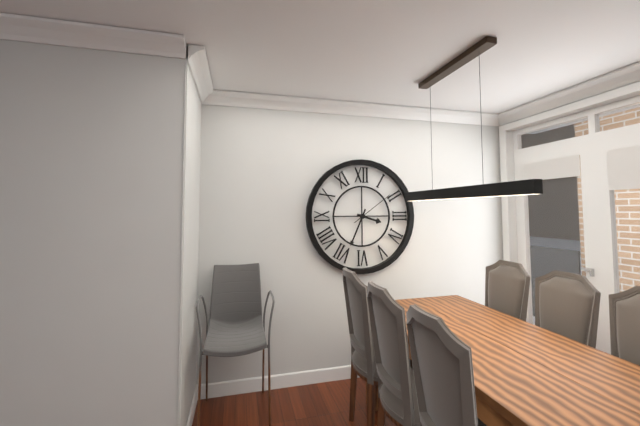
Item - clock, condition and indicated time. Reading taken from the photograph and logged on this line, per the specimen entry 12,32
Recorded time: 3,34
